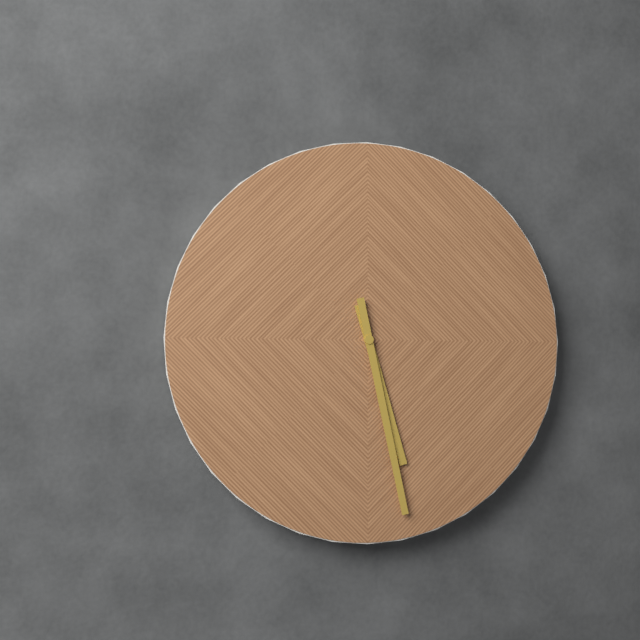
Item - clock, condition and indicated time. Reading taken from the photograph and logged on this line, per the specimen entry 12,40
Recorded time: 5,28
